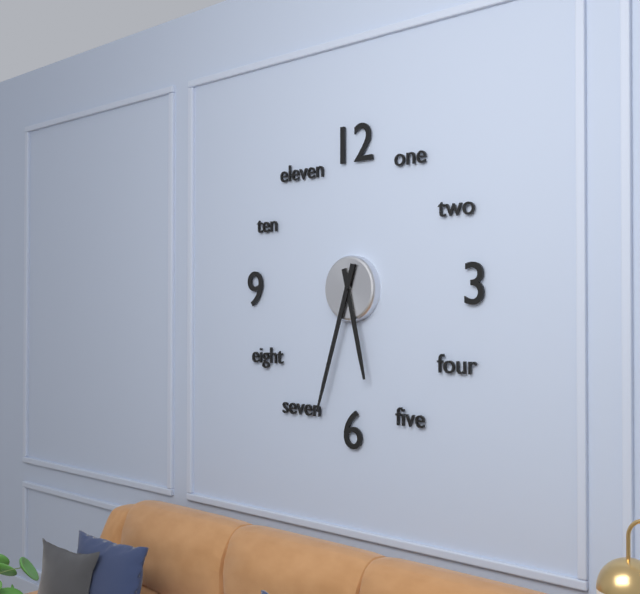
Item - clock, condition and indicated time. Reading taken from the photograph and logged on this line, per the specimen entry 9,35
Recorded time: 5,33
